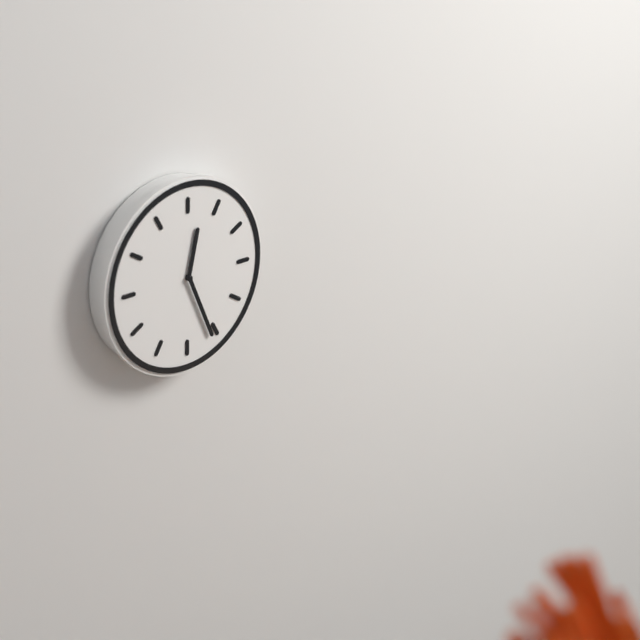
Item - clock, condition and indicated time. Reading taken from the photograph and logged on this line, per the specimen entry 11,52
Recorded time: 12,26
